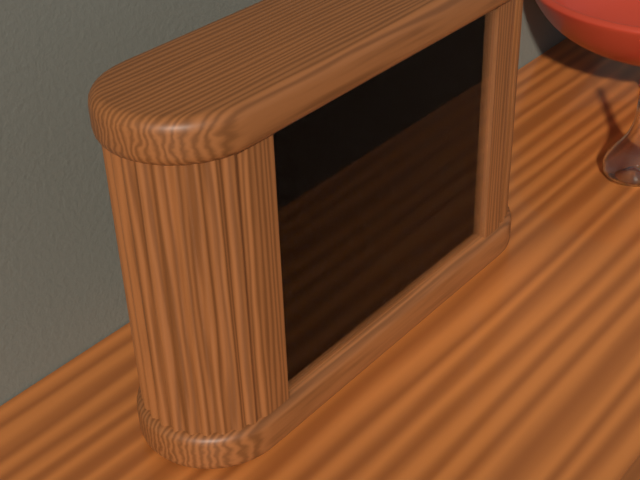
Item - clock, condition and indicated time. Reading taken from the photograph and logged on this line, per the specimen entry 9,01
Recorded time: 7,28
